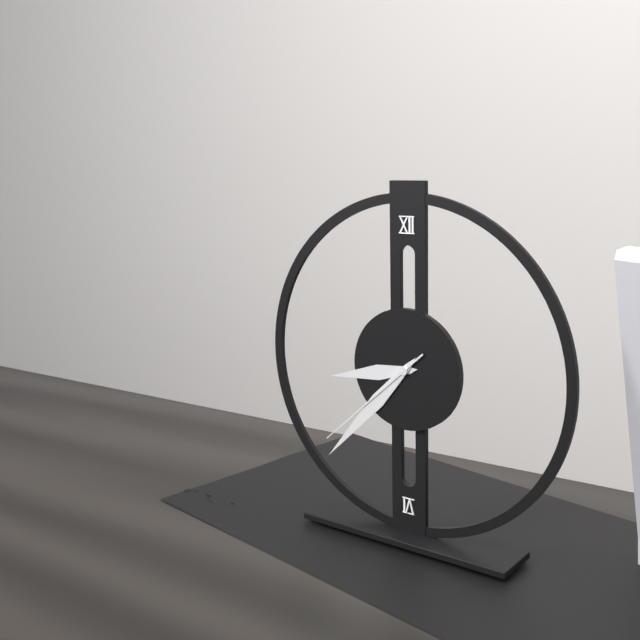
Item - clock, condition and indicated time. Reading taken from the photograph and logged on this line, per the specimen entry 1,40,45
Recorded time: 8,37,38
